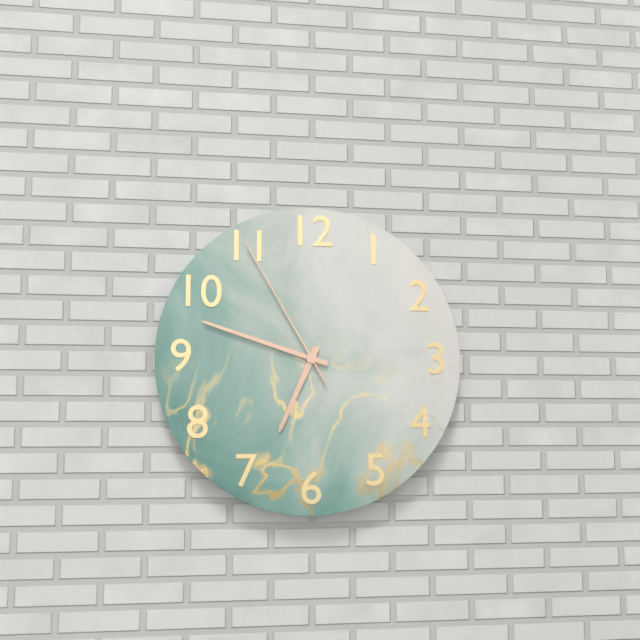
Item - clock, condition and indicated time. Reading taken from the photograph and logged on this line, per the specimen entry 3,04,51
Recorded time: 6,48,55
